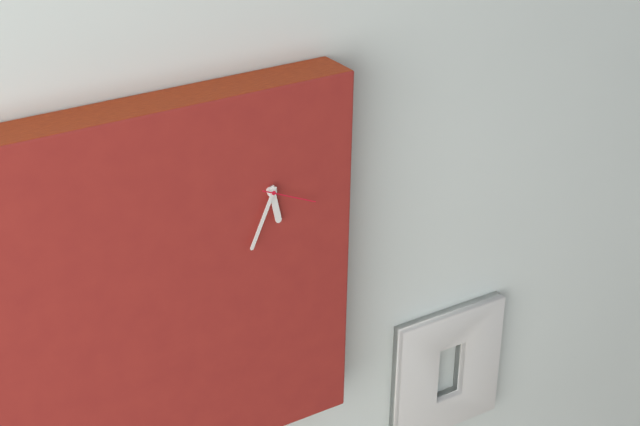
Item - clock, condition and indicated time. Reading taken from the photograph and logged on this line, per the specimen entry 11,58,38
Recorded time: 5,34,19
